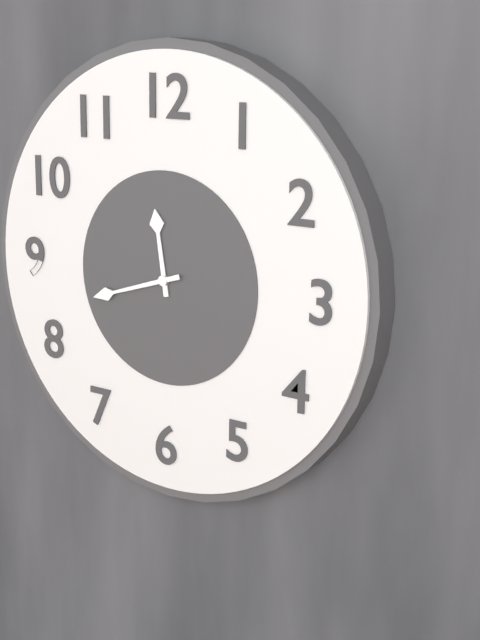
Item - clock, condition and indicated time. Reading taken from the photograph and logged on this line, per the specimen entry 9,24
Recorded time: 11,42
